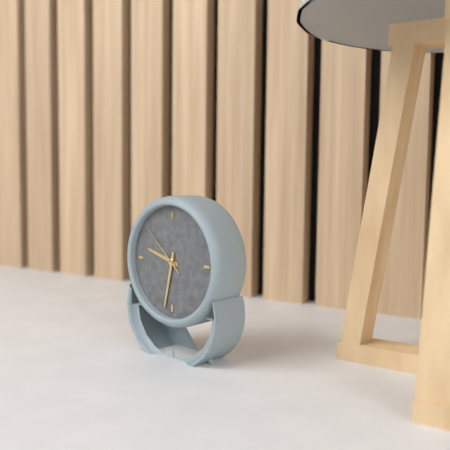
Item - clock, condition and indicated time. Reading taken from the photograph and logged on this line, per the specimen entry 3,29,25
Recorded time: 9,32,52
